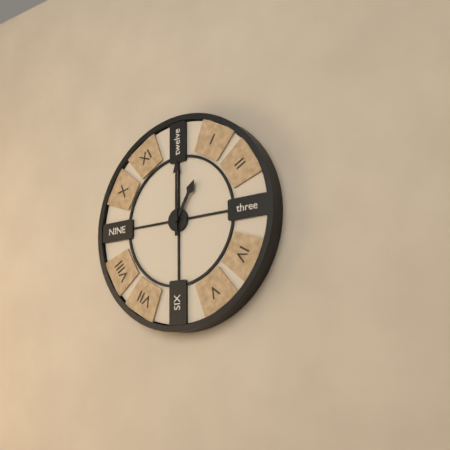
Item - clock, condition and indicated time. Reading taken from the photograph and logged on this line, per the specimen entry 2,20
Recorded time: 1,00
